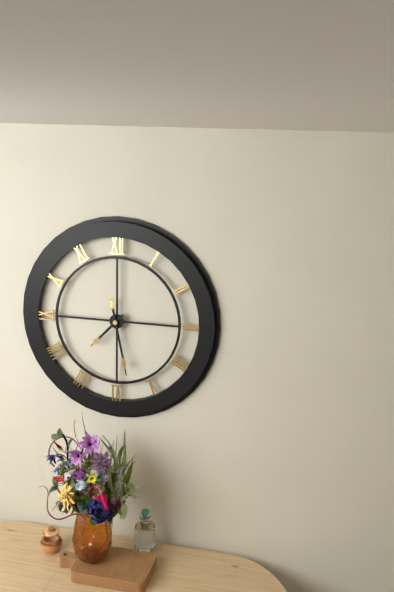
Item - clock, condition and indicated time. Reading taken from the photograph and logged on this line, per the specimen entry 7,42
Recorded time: 7,28
